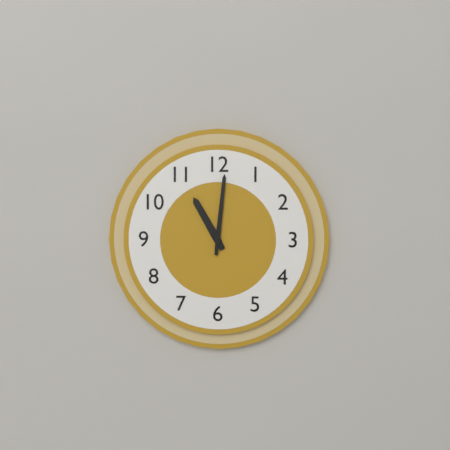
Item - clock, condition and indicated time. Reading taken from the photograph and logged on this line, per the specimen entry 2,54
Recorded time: 11,01
